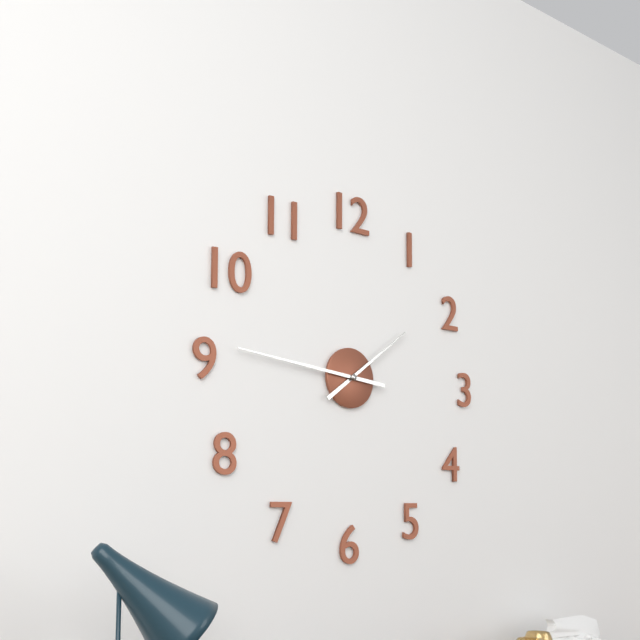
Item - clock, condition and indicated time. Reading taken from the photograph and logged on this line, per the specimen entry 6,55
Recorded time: 1,46
